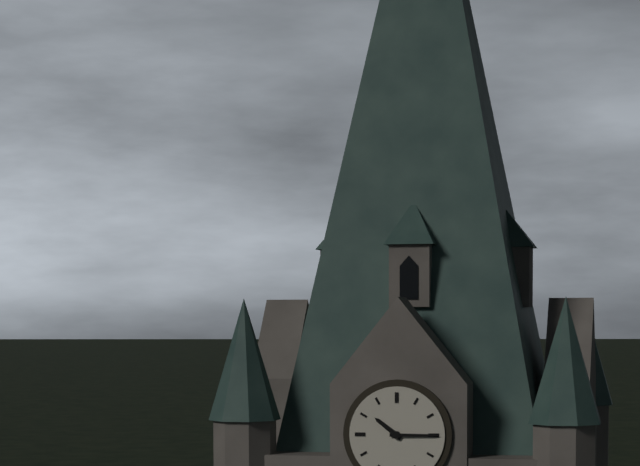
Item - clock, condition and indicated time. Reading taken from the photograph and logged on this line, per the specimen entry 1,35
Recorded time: 10,15
